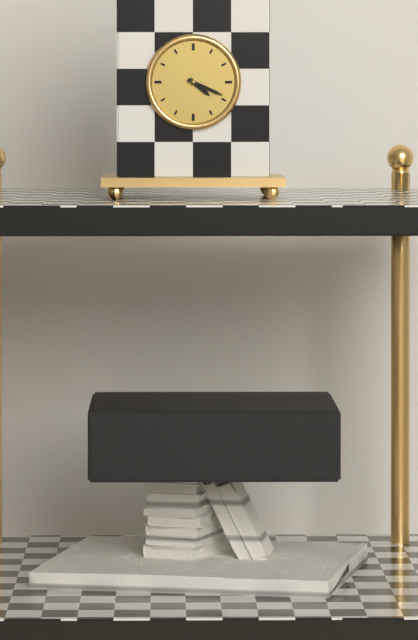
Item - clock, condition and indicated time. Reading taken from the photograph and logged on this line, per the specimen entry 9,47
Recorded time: 4,19
